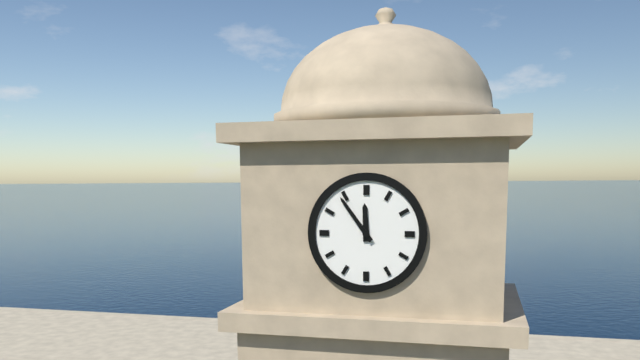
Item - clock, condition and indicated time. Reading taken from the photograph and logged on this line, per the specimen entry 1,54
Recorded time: 11,54
